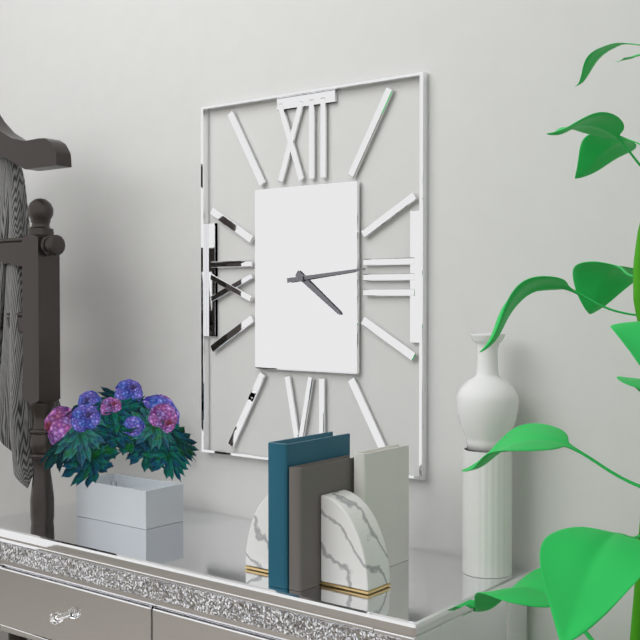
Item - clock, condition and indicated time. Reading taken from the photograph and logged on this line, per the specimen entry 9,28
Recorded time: 4,14
